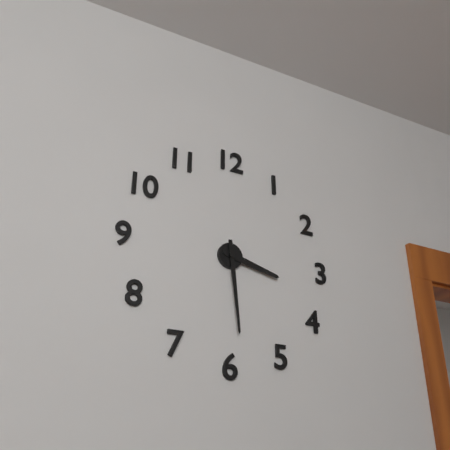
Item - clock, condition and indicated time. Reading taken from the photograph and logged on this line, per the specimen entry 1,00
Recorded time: 3,29
